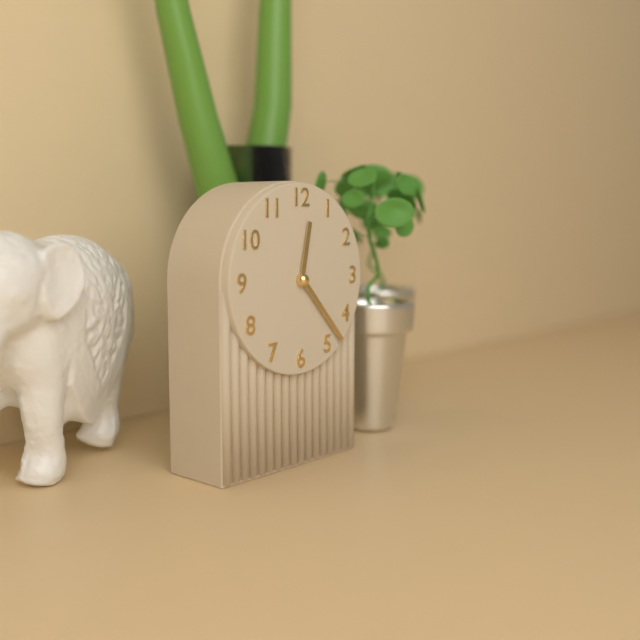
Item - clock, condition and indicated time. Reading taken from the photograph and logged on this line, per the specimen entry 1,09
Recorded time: 12,23
